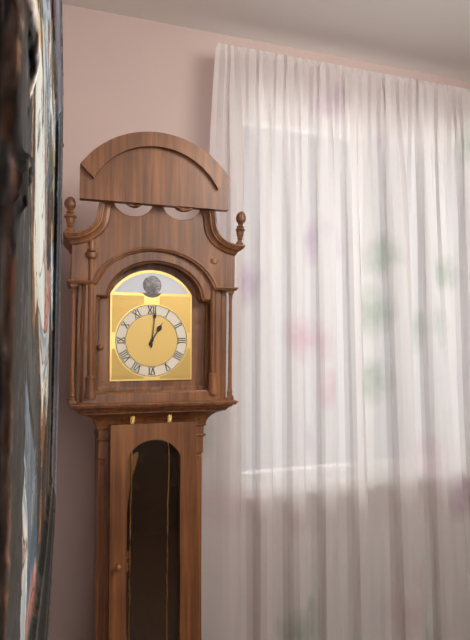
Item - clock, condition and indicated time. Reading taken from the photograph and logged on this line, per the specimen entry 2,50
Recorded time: 1,01
